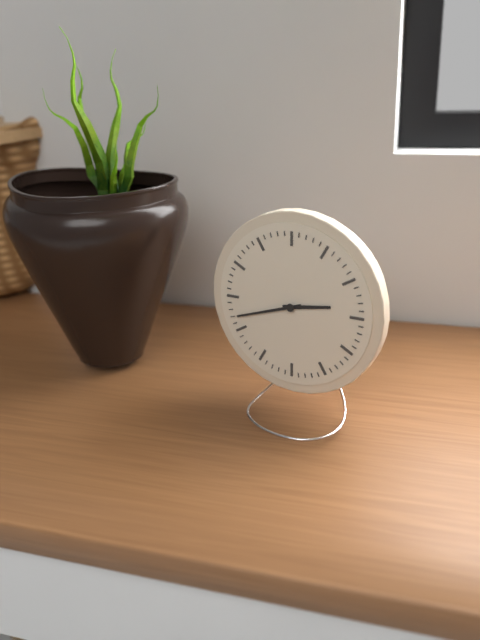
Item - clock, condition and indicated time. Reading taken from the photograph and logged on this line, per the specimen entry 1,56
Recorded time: 2,42
